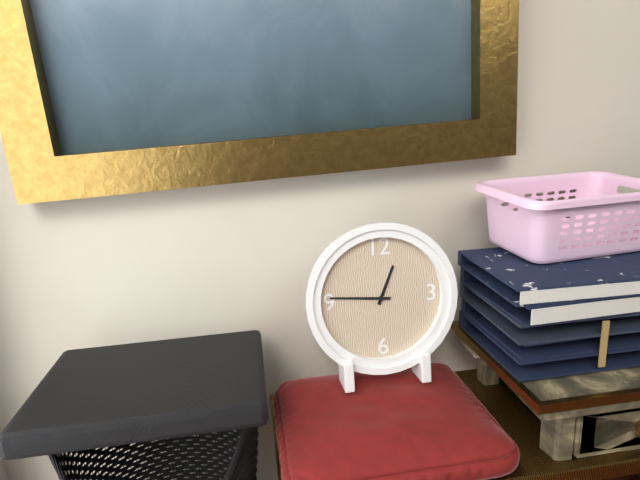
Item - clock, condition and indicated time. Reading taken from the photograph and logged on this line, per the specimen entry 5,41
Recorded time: 12,46
